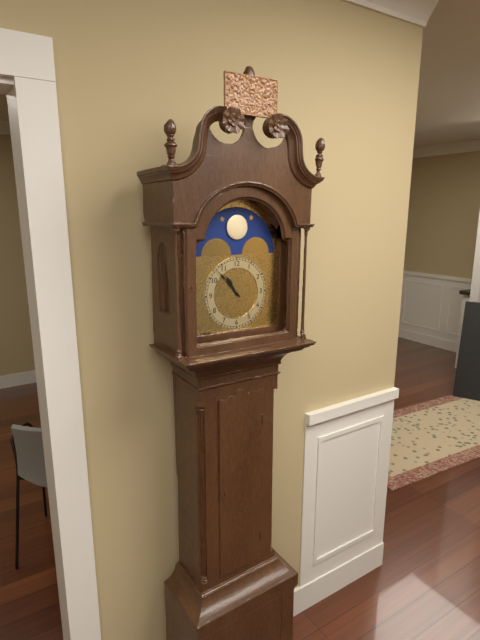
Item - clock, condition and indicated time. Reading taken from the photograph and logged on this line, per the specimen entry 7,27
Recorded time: 10,53
